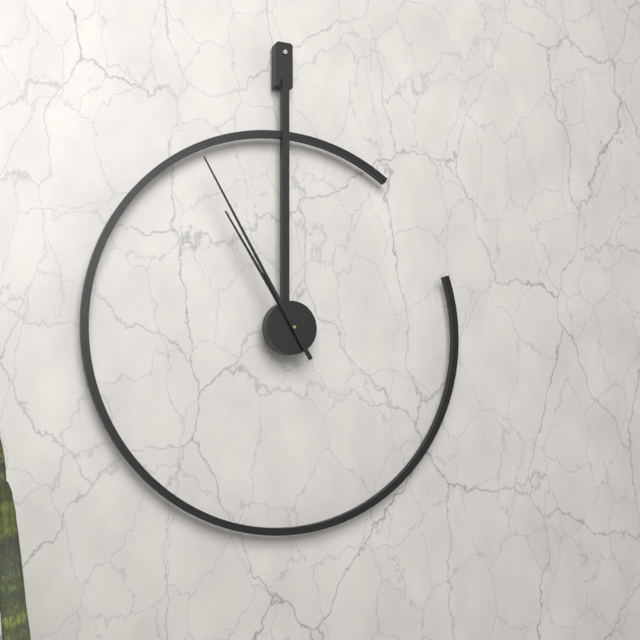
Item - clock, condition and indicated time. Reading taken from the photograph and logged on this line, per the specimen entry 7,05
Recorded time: 10,55
